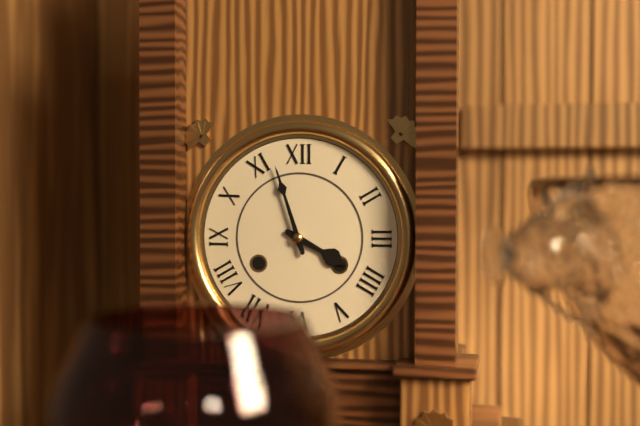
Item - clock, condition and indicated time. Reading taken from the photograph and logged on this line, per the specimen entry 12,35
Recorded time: 3,57
